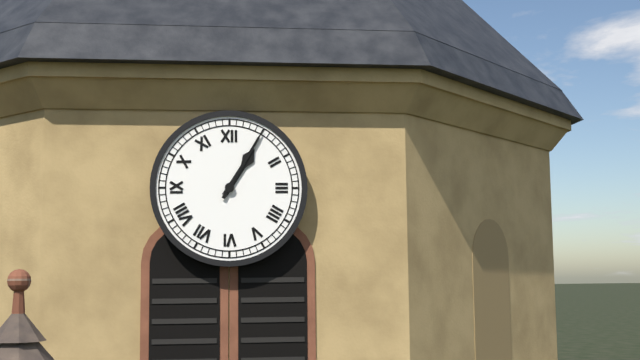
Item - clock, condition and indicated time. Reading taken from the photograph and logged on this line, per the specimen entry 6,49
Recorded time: 1,05
